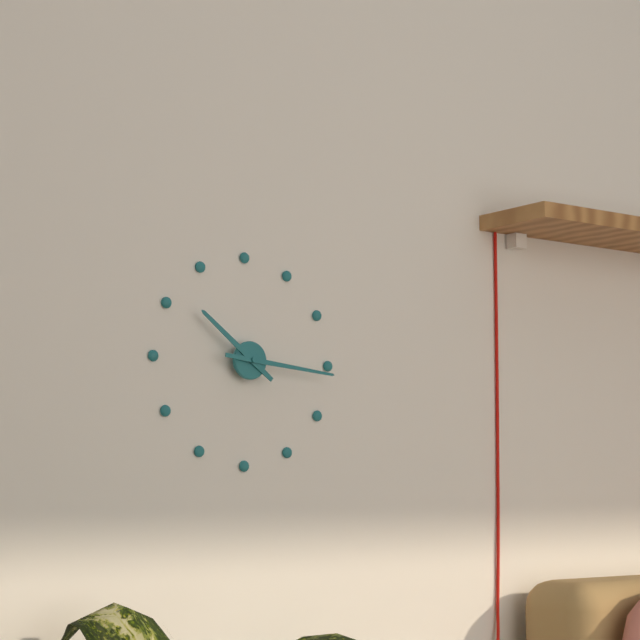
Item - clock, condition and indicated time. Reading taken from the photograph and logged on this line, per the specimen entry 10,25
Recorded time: 10,16
